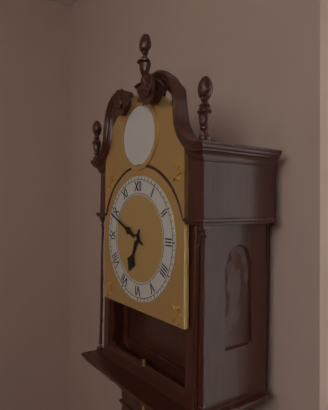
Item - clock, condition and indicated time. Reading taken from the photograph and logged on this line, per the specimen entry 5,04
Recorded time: 6,49
